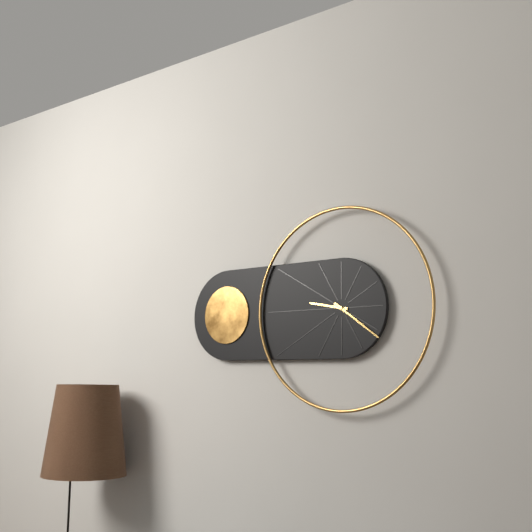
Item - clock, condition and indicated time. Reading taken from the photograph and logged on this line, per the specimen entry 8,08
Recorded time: 9,21
